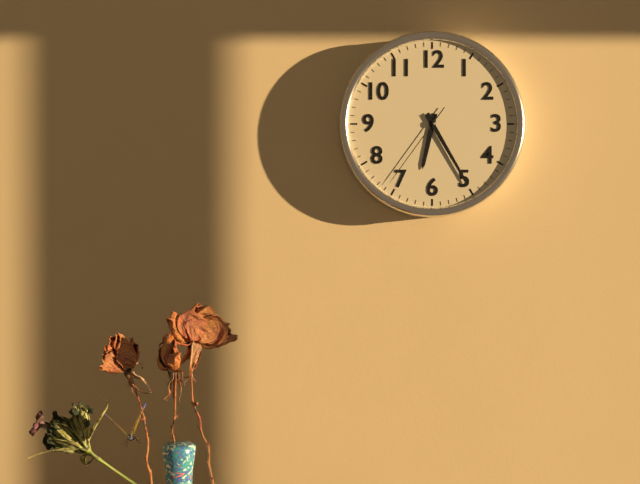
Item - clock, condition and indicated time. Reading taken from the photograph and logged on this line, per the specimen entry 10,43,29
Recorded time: 6,25,36
